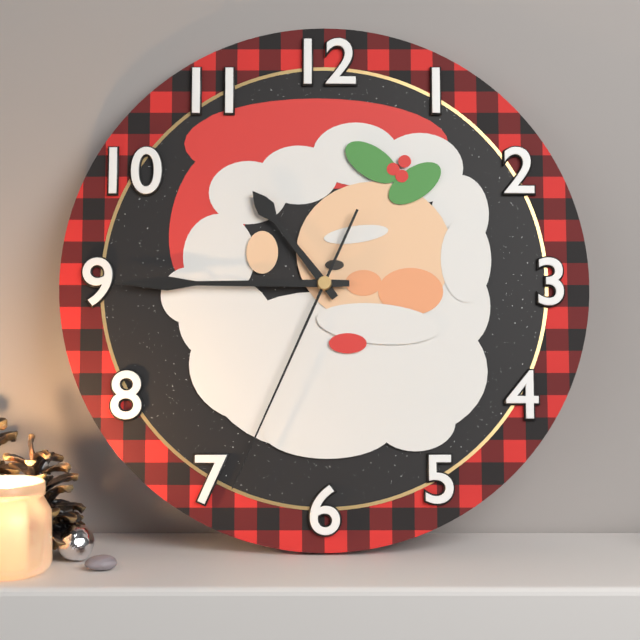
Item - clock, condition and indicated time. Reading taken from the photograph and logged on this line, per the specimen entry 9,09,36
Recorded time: 10,45,34
